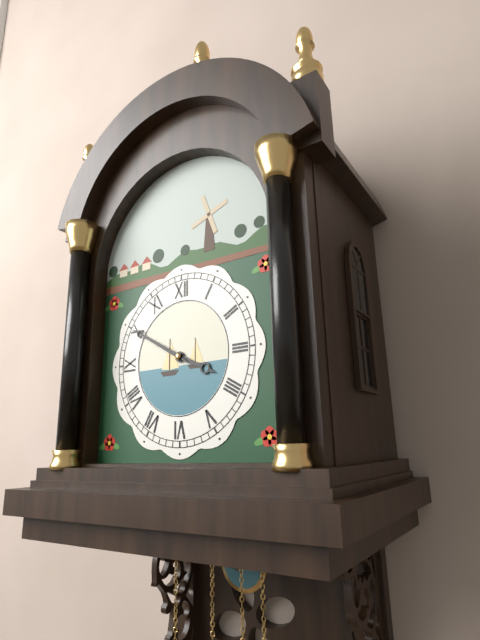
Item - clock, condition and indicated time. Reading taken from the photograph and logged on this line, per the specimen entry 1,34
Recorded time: 3,50
